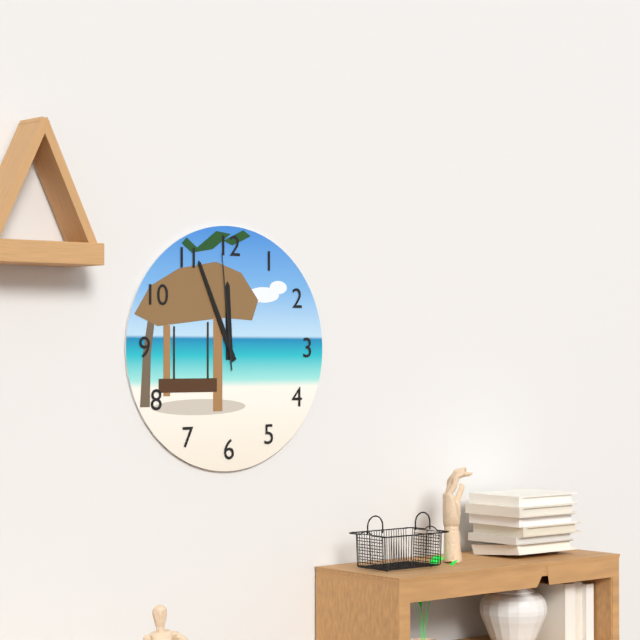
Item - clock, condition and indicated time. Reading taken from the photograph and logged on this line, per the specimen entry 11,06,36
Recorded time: 11,56,59
